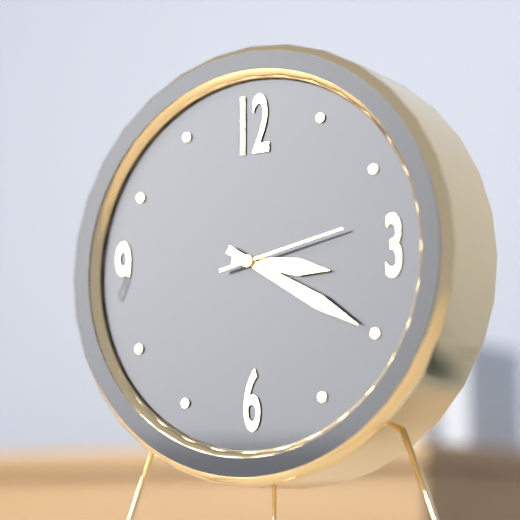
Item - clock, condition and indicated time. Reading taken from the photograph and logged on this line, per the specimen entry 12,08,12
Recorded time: 3,20,13
